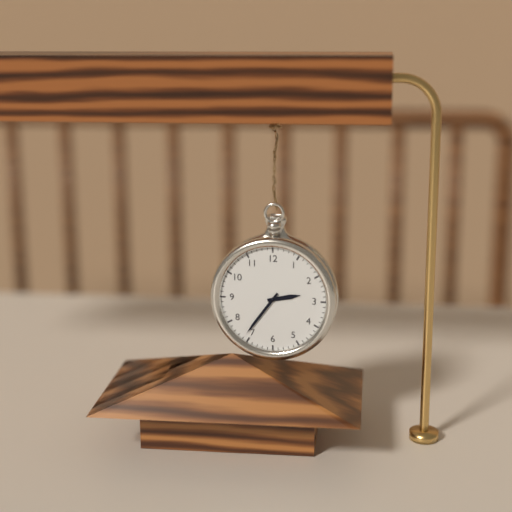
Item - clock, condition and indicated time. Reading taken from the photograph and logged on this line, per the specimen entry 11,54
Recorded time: 2,36
